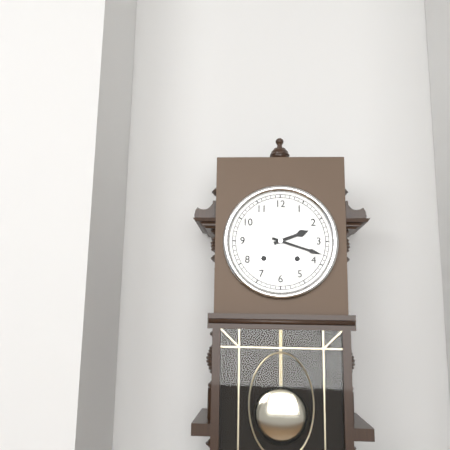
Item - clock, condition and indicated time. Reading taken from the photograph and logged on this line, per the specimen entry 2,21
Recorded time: 2,18
